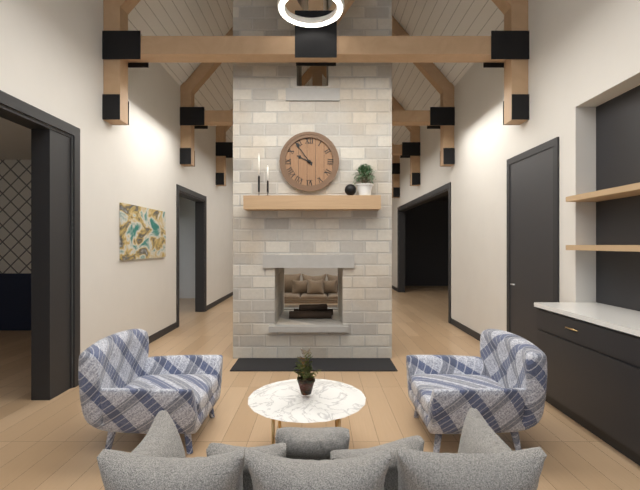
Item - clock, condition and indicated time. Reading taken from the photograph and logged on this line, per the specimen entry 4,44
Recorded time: 9,54
